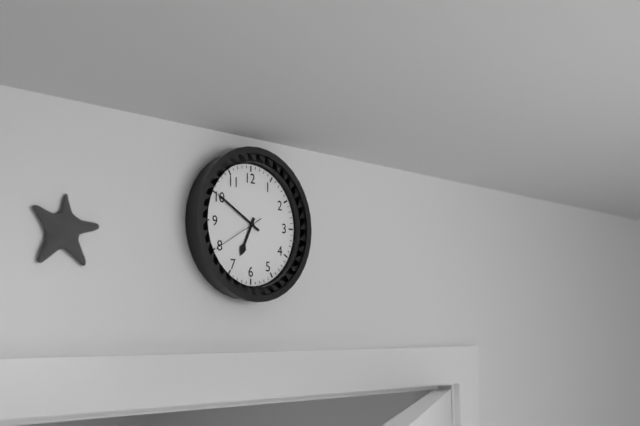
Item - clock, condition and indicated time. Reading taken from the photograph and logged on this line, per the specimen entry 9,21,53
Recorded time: 6,50,40
